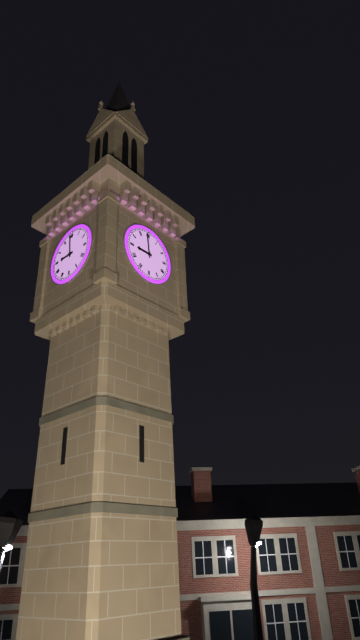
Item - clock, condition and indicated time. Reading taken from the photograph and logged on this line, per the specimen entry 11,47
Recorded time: 8,59
